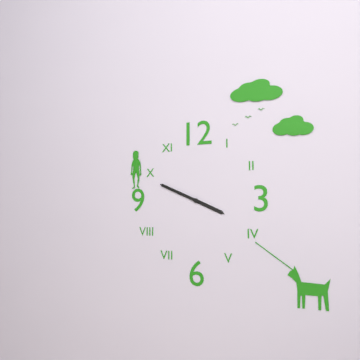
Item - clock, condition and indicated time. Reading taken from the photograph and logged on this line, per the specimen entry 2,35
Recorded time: 3,49
